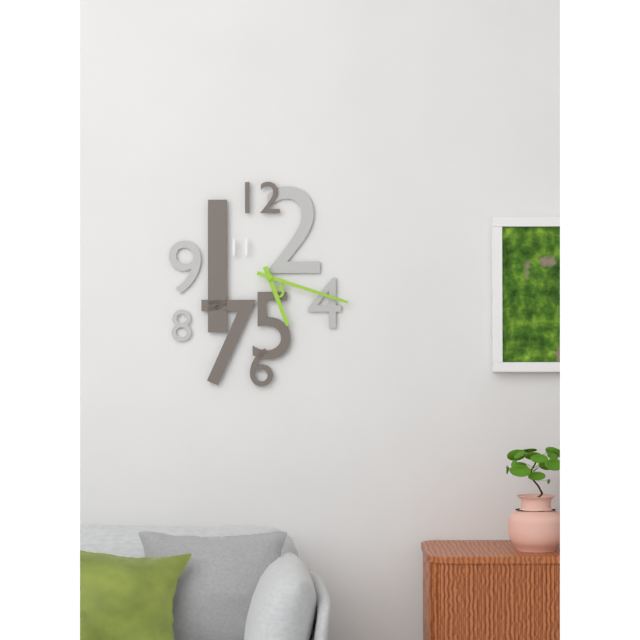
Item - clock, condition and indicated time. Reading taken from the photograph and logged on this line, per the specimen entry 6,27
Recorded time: 5,18
